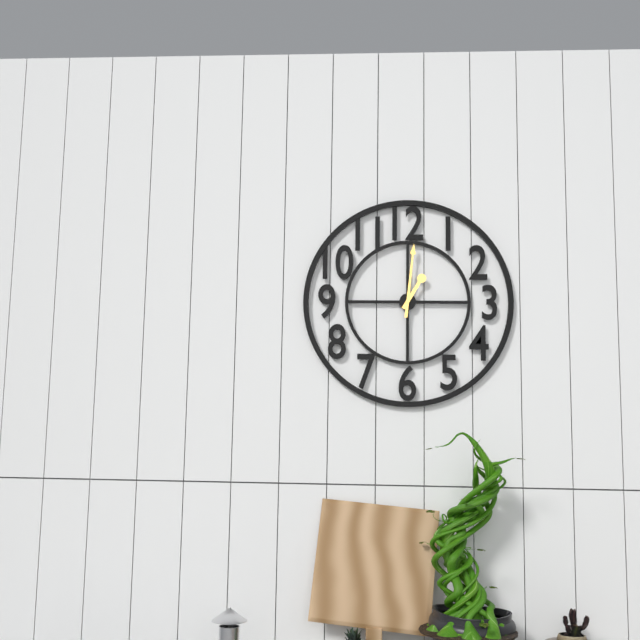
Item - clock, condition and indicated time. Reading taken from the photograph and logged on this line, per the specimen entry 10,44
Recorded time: 1,01
